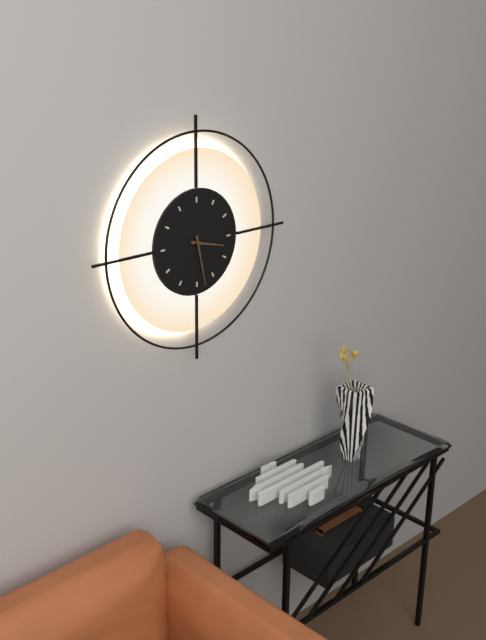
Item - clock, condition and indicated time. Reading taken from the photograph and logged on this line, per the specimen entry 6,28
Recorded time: 3,28
